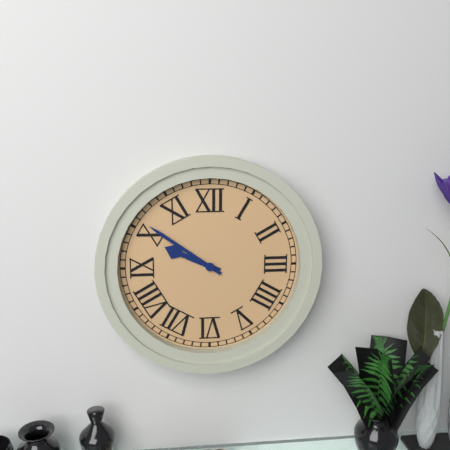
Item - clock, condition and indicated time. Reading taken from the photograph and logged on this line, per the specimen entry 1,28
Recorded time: 9,51
